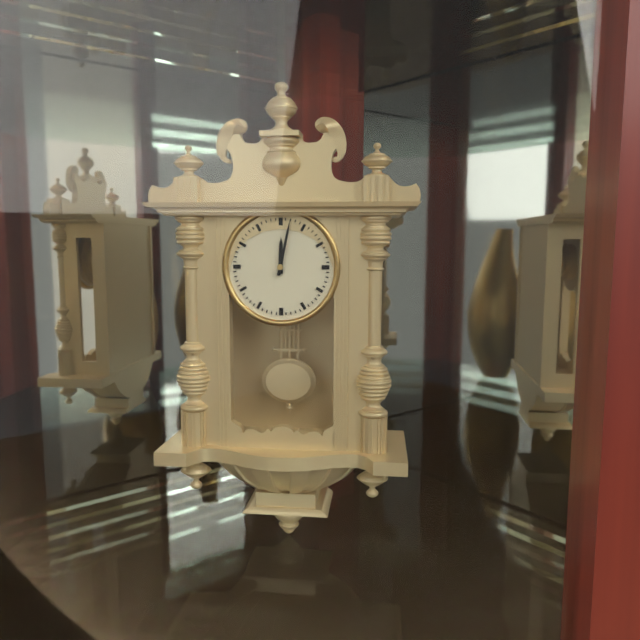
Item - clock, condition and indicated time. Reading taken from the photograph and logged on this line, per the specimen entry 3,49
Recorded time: 12,02
